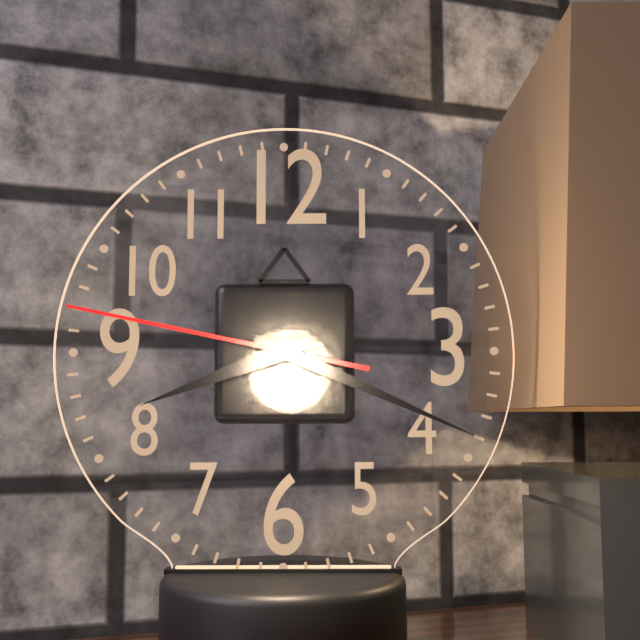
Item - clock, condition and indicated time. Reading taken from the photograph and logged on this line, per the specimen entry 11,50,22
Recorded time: 8,19,47
